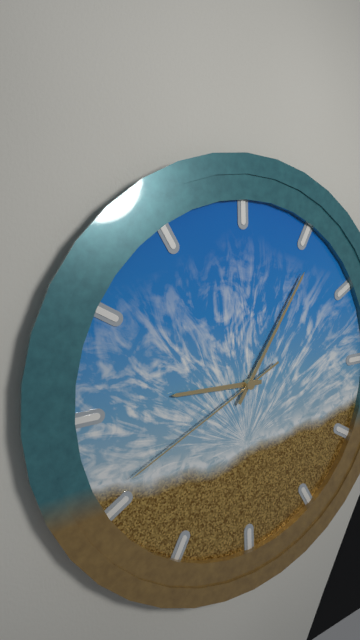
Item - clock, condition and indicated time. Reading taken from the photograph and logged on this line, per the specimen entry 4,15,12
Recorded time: 9,06,41
